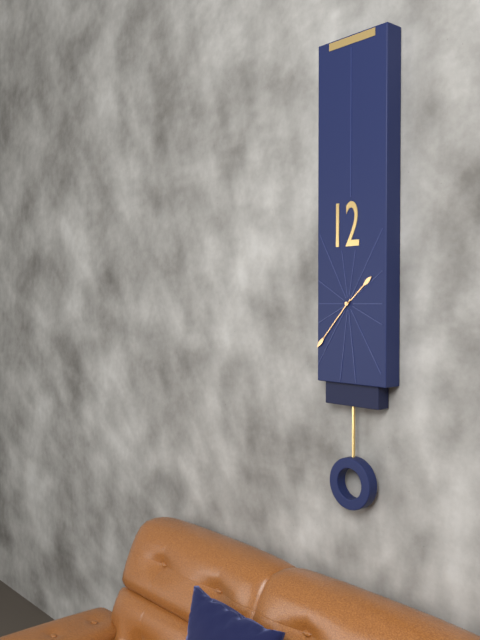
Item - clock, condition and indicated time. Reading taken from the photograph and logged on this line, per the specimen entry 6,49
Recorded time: 1,37
